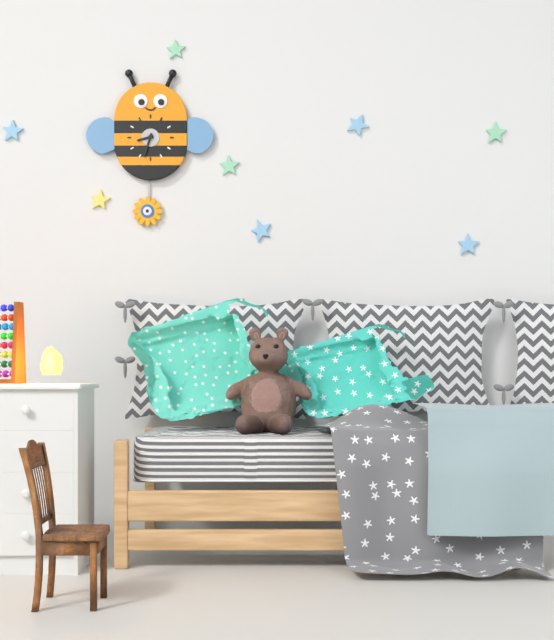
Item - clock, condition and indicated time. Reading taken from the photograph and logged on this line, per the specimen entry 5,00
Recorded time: 8,33
